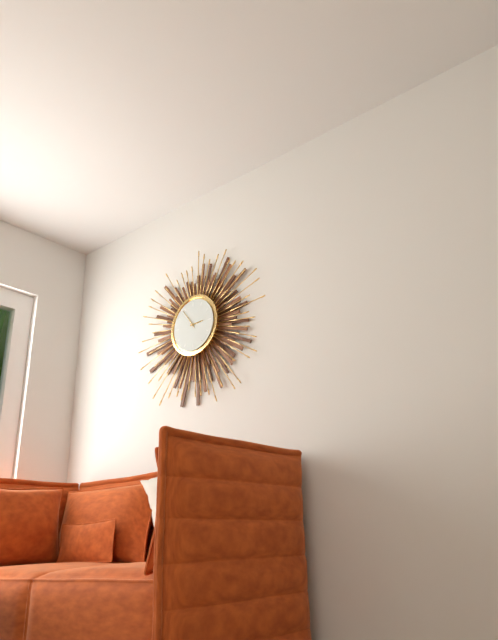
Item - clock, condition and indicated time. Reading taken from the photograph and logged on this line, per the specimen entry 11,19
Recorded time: 2,54
